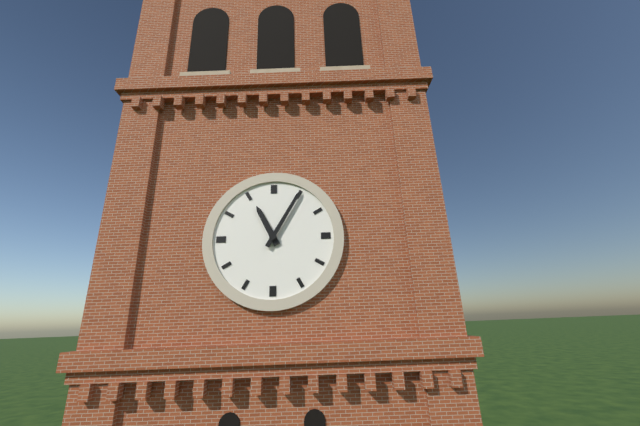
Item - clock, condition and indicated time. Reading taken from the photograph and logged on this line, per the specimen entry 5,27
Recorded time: 11,05
